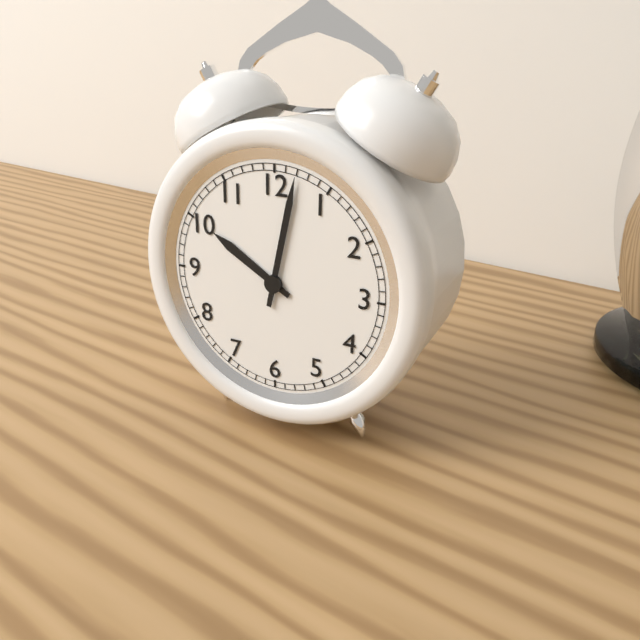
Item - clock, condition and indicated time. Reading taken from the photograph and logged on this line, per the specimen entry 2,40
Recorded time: 10,02
